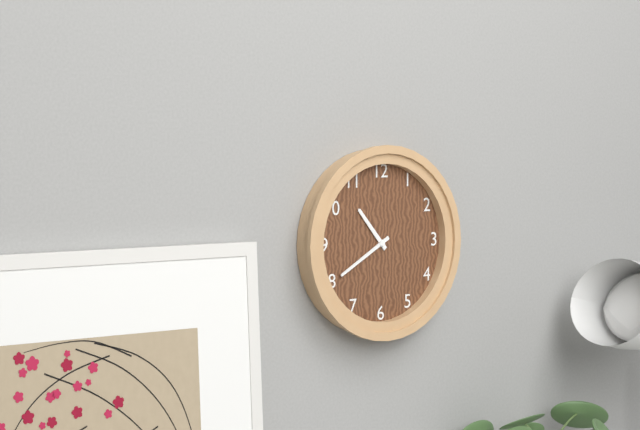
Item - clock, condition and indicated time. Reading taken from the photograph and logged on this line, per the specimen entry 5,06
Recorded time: 10,40
